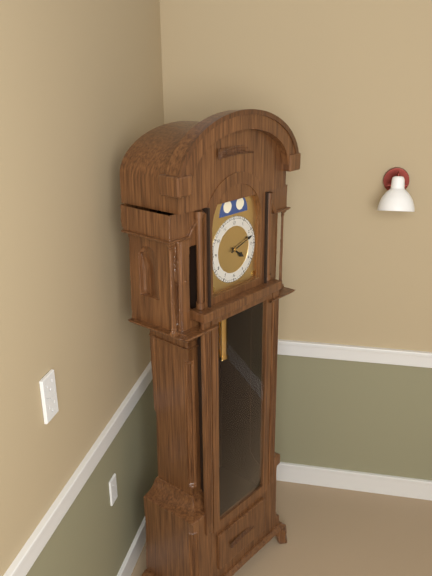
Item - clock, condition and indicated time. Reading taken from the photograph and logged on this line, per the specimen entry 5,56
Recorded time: 4,12
